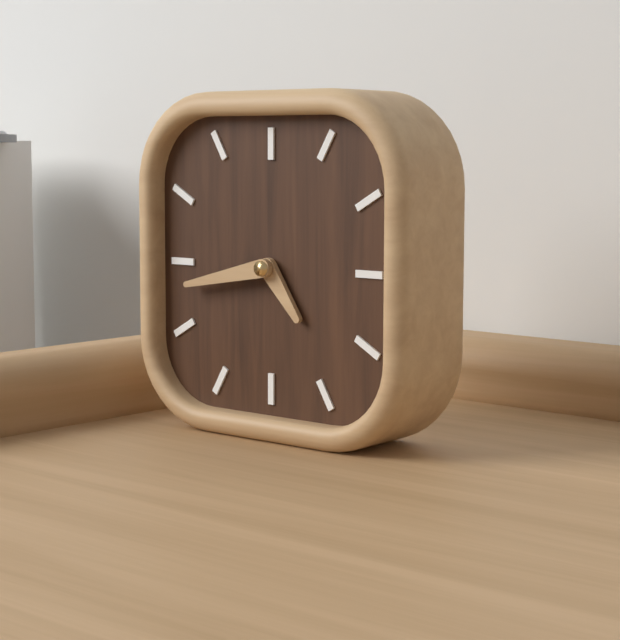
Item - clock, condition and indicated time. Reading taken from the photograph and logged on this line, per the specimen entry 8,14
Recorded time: 4,43
